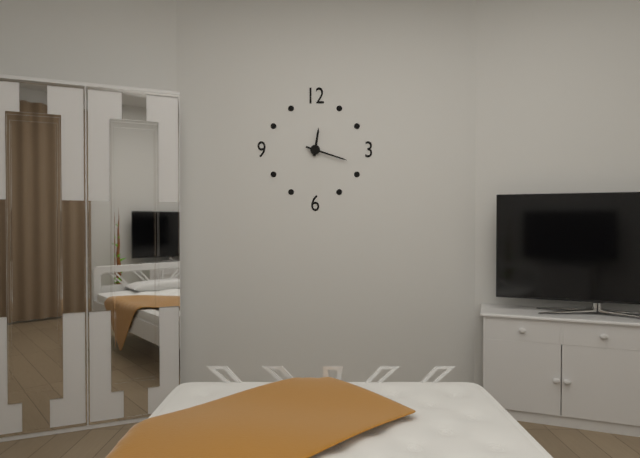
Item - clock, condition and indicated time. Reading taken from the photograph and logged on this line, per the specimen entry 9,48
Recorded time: 12,18
